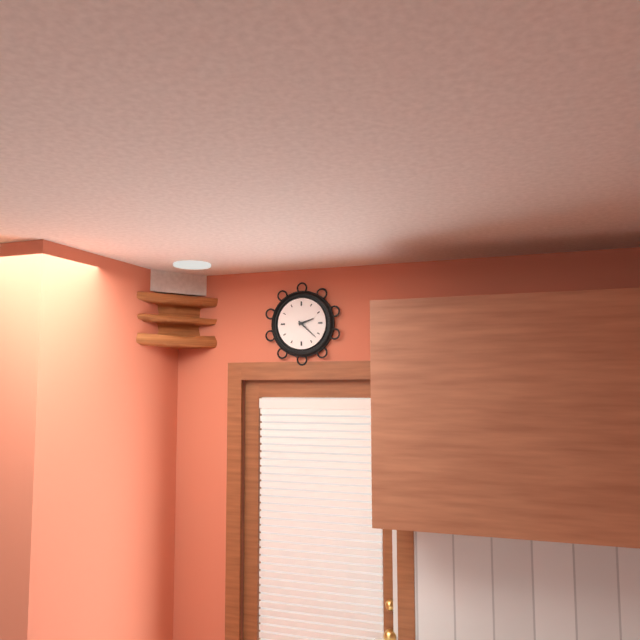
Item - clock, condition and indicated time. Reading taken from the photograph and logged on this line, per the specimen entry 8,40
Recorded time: 2,22
